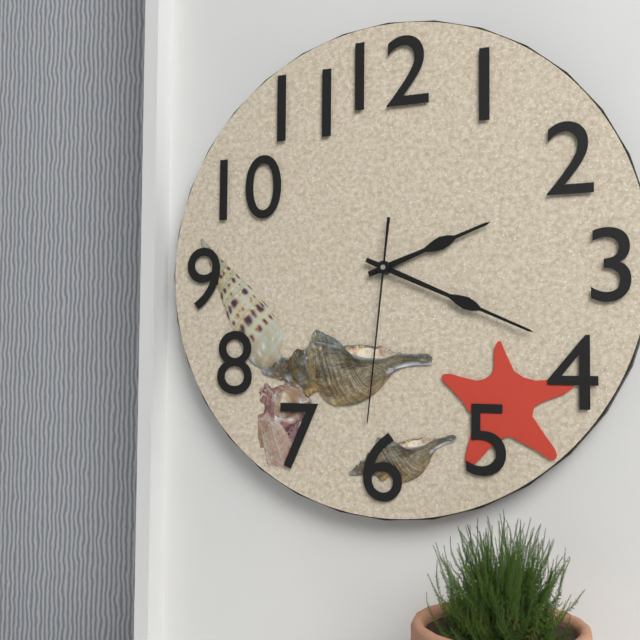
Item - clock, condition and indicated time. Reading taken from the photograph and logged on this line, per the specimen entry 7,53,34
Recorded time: 2,19,31
